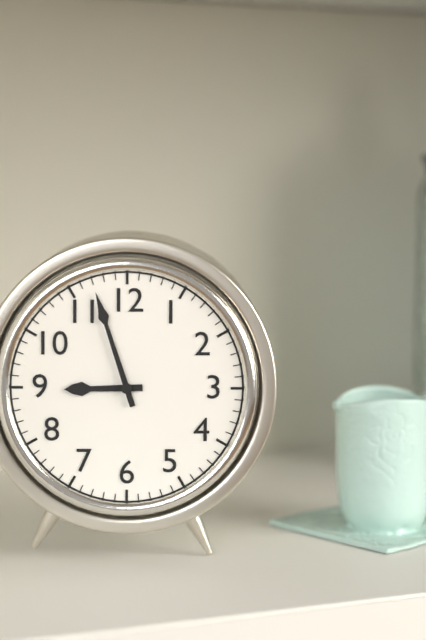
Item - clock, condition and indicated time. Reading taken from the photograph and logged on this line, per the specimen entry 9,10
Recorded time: 8,57
